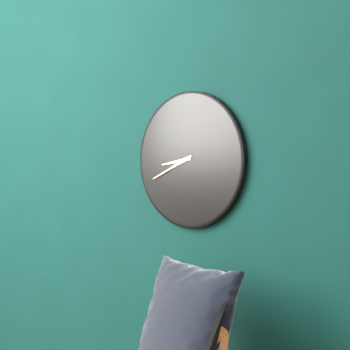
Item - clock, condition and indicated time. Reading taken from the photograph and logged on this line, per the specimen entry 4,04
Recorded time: 8,41
